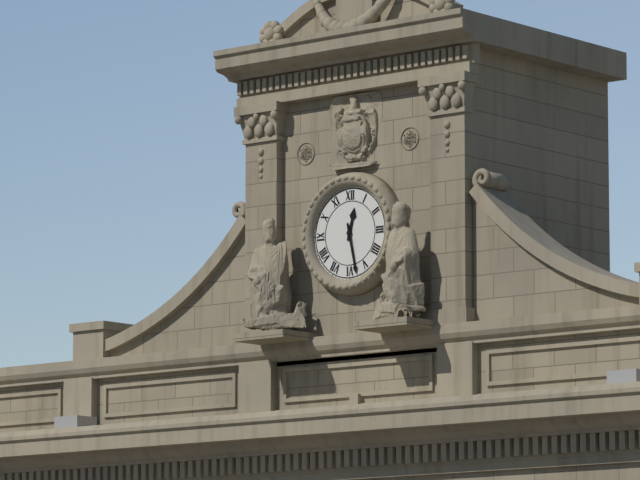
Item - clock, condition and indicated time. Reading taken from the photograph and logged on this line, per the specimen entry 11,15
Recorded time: 12,28
